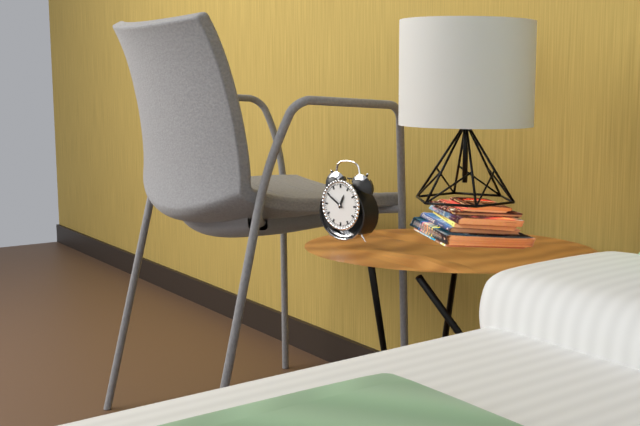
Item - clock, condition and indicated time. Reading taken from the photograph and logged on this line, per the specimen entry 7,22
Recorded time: 12,50
